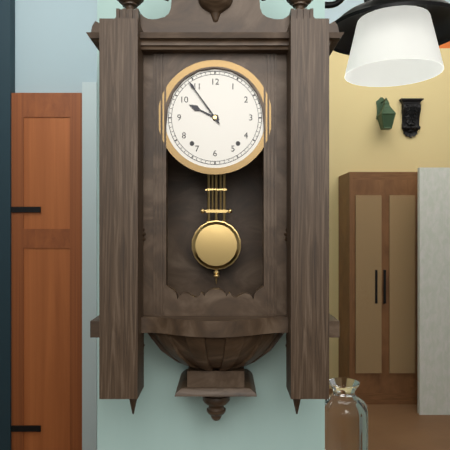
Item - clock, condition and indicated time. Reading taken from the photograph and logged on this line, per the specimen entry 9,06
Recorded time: 9,54
